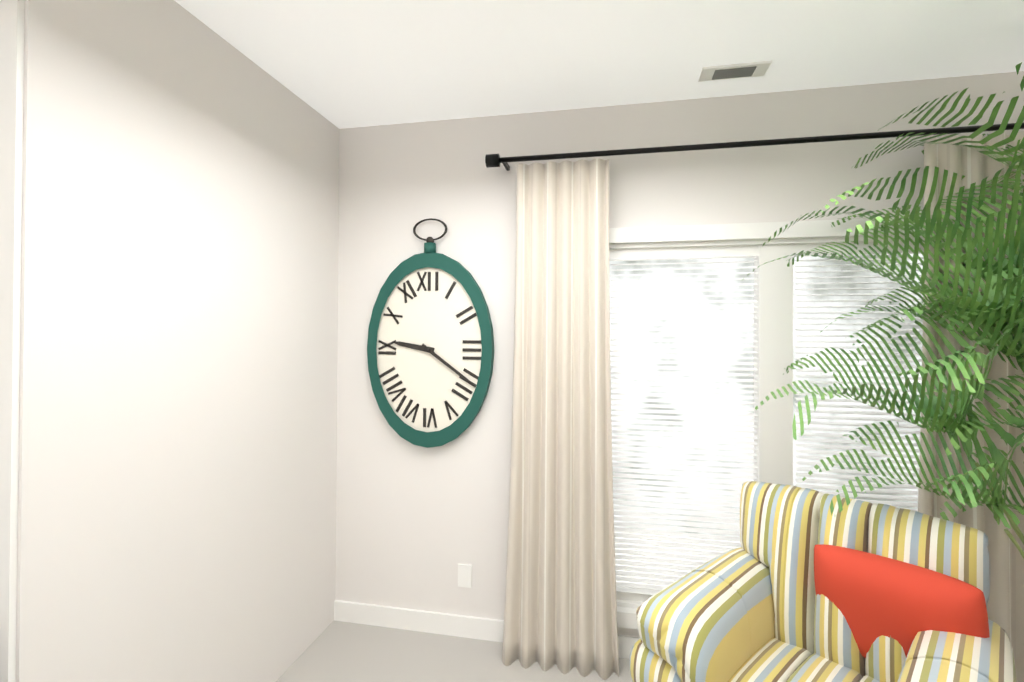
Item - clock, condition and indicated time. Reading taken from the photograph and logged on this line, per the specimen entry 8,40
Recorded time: 9,21
